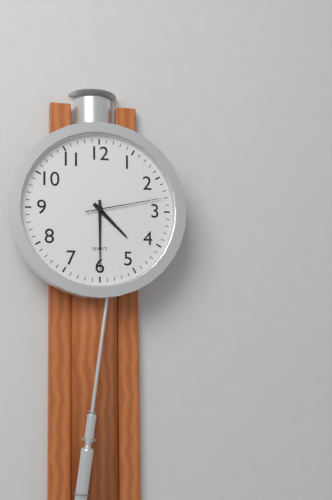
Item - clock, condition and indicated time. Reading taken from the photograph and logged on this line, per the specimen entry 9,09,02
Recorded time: 4,30,13
